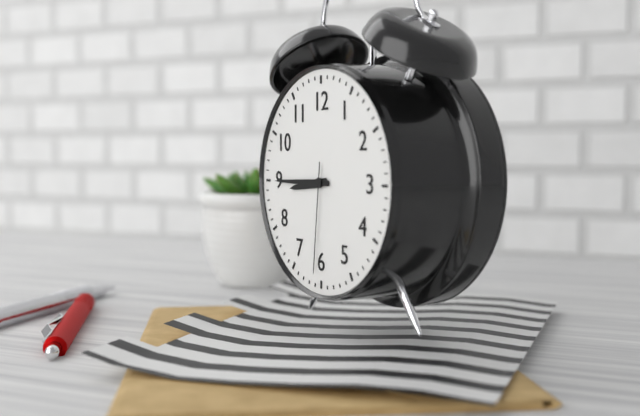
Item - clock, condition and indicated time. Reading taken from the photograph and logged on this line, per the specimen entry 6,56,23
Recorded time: 8,45,31
